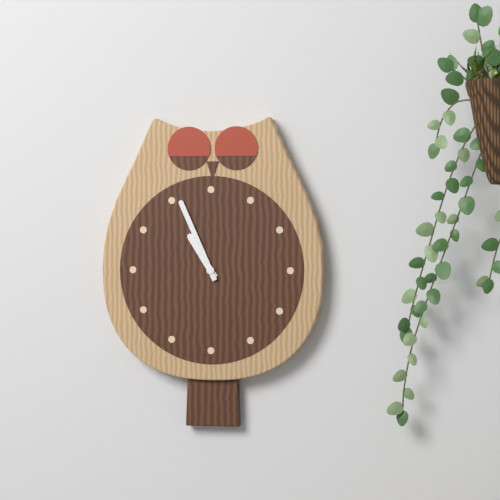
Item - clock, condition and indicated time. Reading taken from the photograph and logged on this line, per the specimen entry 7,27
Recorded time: 10,56
